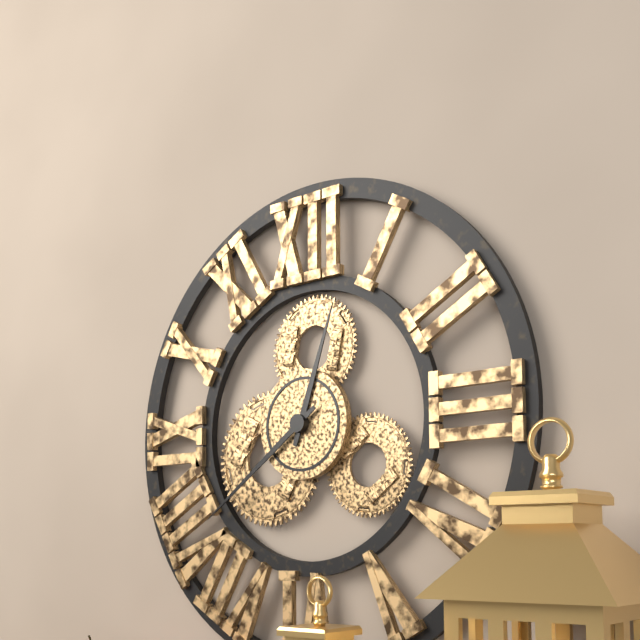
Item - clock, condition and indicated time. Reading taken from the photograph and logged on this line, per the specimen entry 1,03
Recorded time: 12,39
